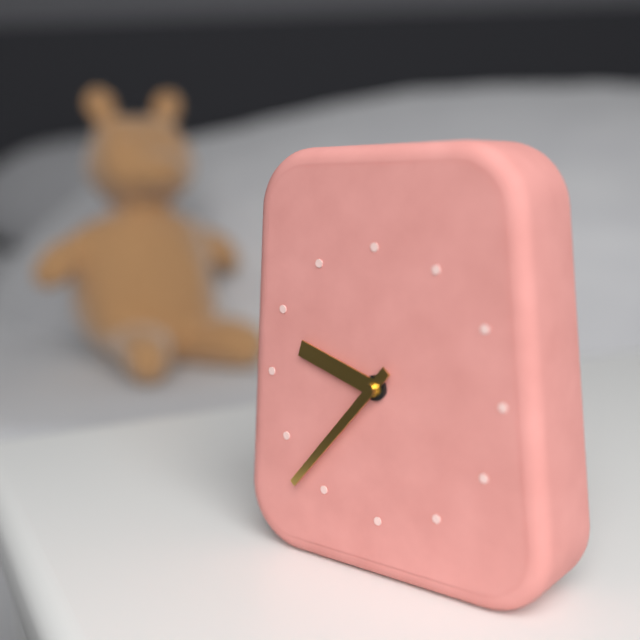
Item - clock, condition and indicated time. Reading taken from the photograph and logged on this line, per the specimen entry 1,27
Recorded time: 9,37
